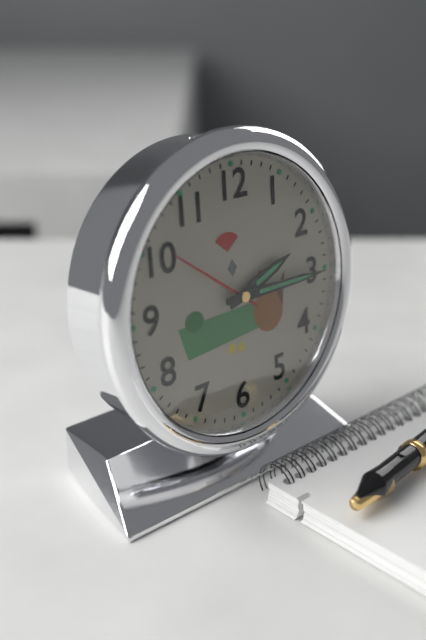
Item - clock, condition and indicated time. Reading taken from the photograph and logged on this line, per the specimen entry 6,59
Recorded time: 2,15
